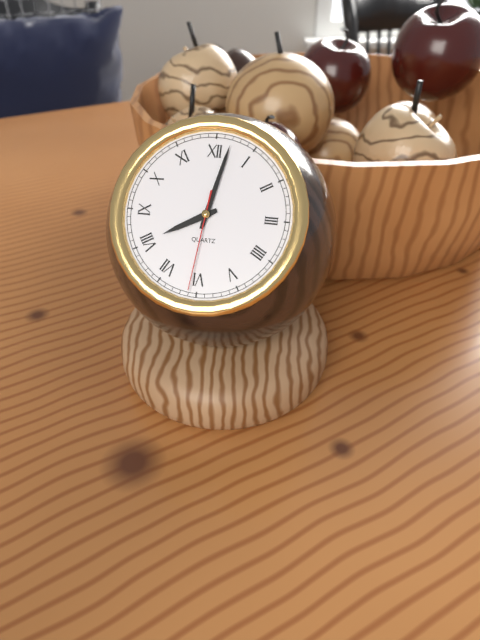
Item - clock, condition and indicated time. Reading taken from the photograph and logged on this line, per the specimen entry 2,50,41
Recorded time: 8,02,31
